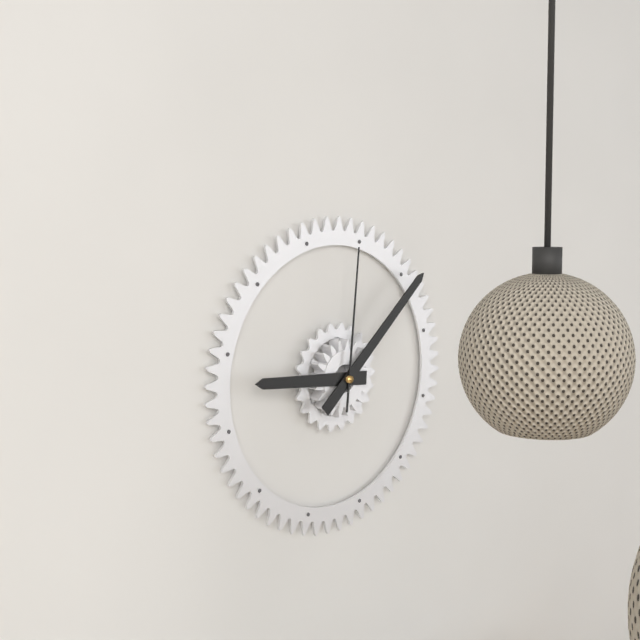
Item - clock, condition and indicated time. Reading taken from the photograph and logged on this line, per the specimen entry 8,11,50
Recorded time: 9,08,01
